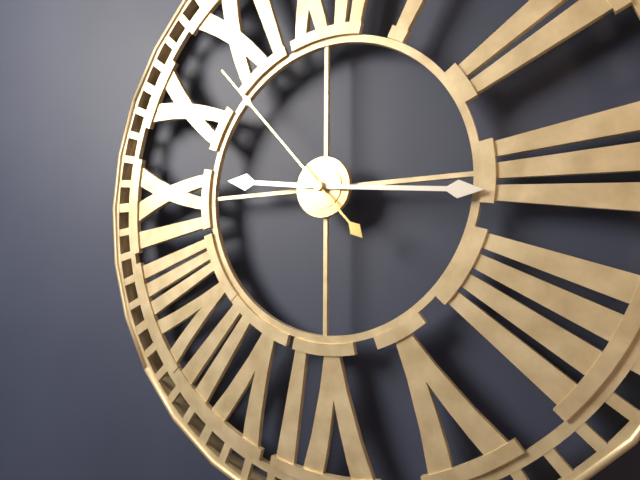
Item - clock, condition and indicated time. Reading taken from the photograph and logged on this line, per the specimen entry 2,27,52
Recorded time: 9,16,53
